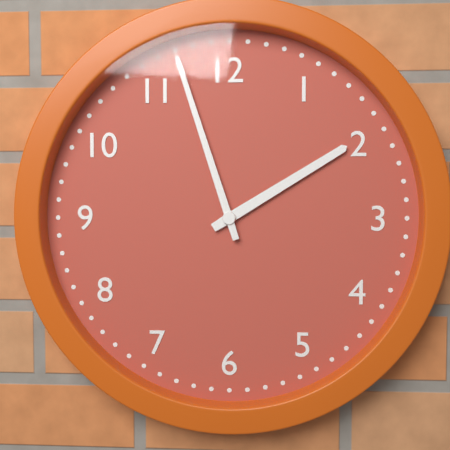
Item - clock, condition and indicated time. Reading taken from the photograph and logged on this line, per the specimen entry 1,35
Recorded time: 1,57
